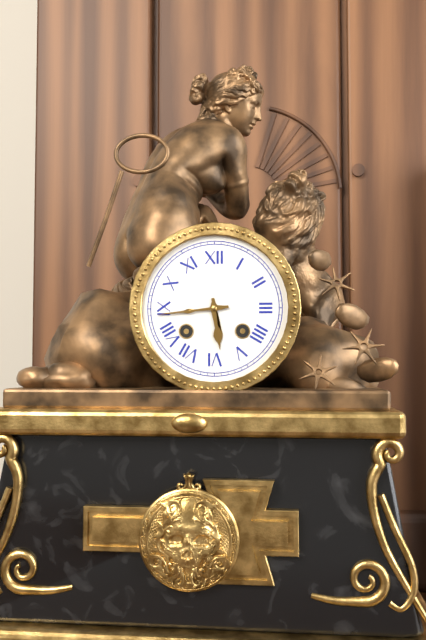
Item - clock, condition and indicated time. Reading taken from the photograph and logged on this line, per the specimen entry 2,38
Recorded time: 5,44
